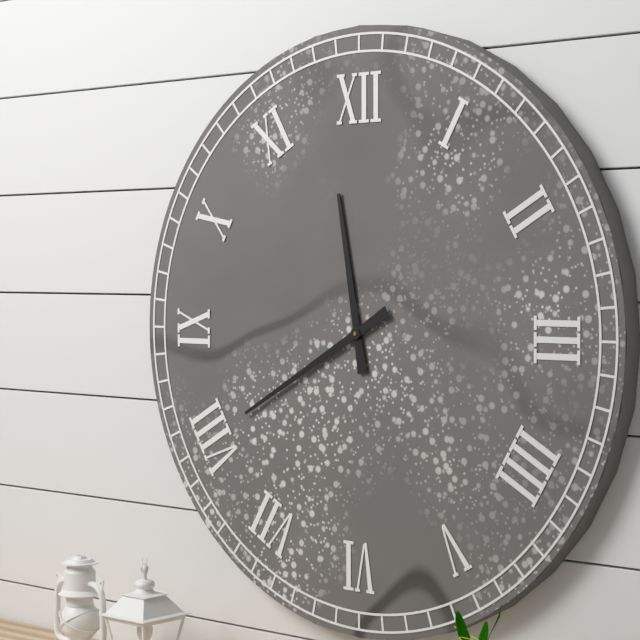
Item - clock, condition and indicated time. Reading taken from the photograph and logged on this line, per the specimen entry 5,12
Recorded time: 11,40
